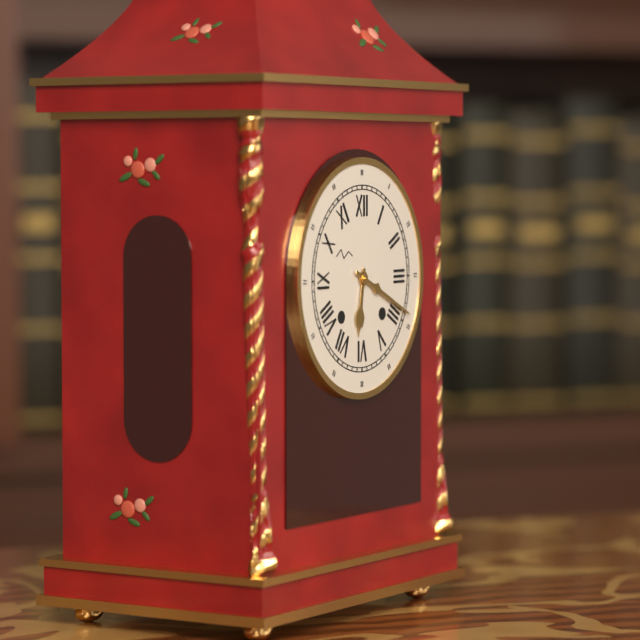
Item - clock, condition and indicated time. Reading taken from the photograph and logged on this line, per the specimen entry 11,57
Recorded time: 6,19
